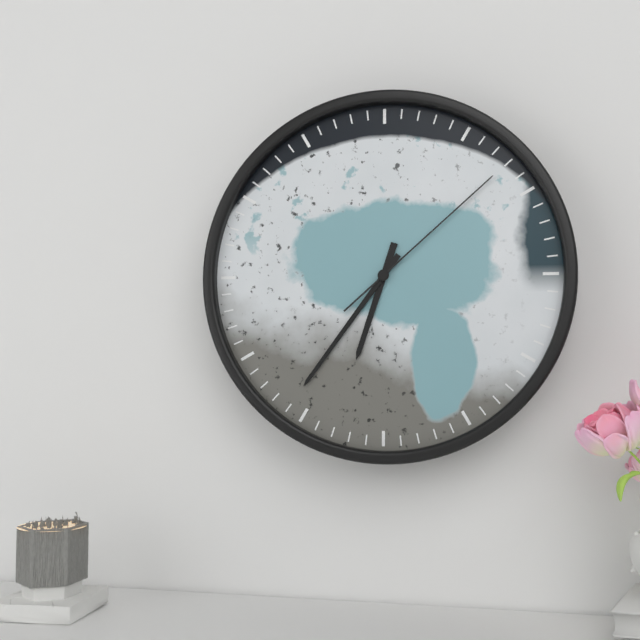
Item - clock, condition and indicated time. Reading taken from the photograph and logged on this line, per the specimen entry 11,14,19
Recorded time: 6,36,08
